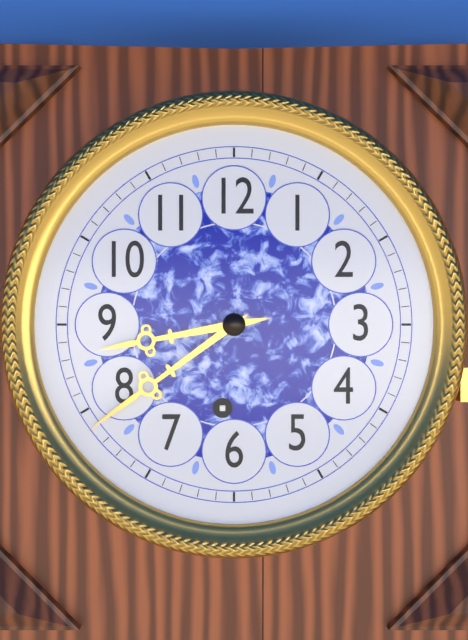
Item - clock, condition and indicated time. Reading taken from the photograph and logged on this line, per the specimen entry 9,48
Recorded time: 8,39
